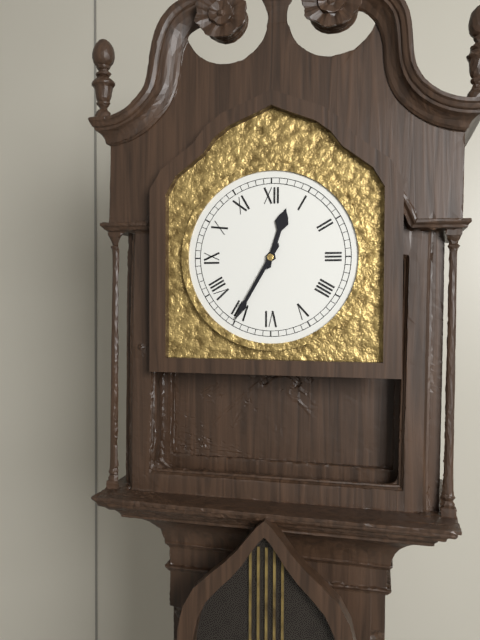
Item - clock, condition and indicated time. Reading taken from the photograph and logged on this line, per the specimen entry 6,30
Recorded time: 12,35
